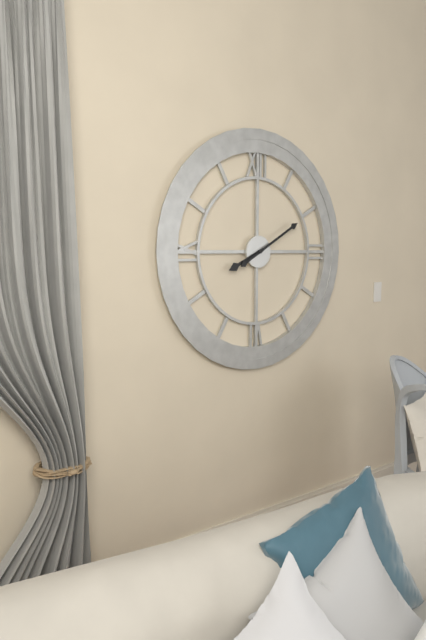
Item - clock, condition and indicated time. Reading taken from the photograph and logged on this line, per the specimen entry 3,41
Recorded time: 8,10
